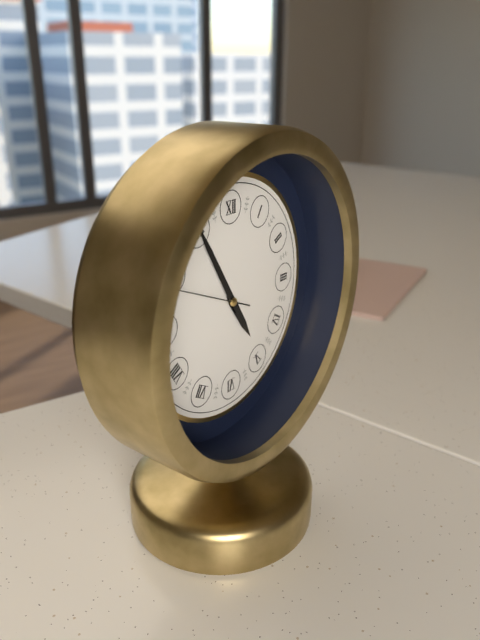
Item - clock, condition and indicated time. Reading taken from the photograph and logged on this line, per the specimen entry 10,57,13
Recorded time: 4,55,49
